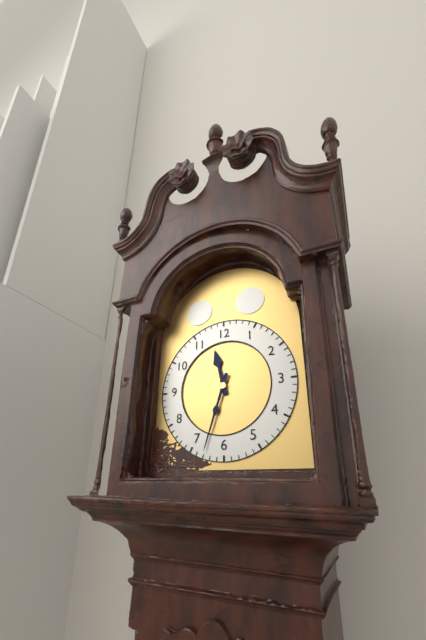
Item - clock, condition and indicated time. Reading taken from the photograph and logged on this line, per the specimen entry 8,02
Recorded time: 11,33
